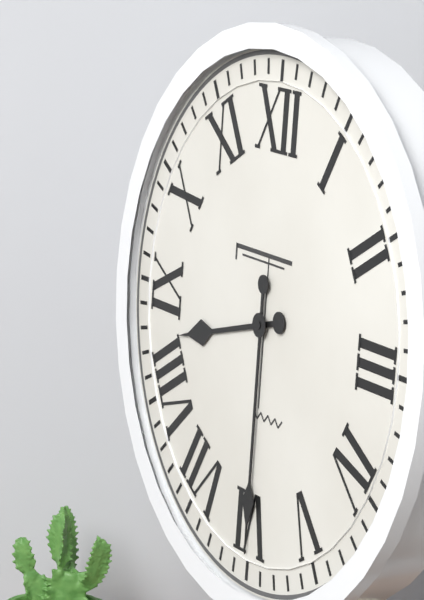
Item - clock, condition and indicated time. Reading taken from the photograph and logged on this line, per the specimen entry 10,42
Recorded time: 8,30
